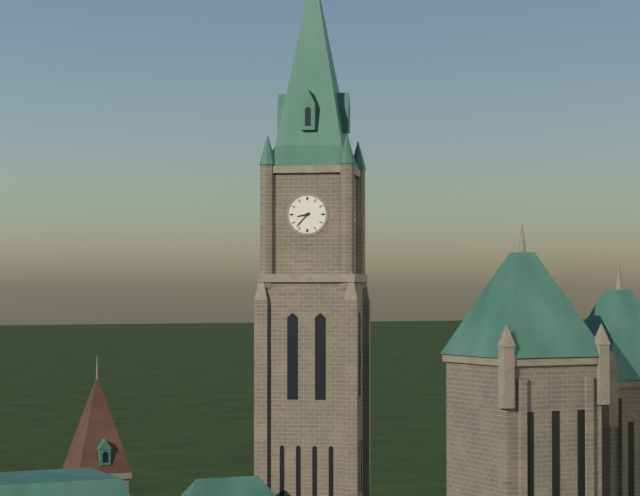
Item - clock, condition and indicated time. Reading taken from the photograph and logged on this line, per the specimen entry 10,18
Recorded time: 8,37
